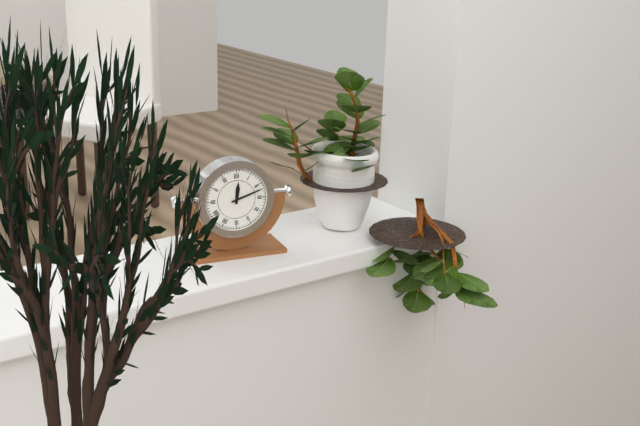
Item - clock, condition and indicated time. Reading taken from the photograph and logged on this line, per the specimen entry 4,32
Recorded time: 12,12
